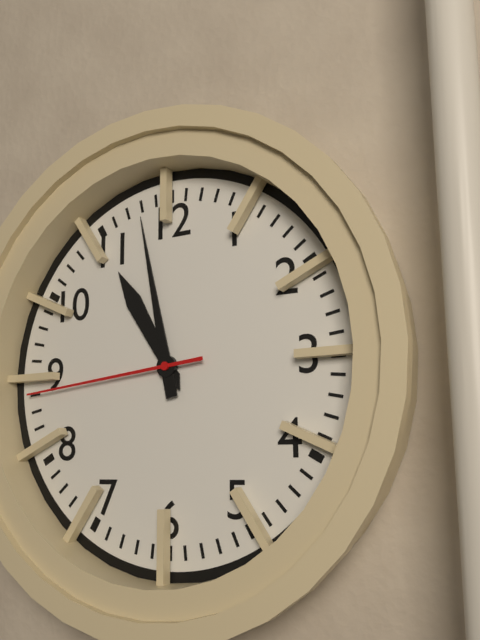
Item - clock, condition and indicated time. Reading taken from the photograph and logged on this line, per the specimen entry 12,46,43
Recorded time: 10,58,44
